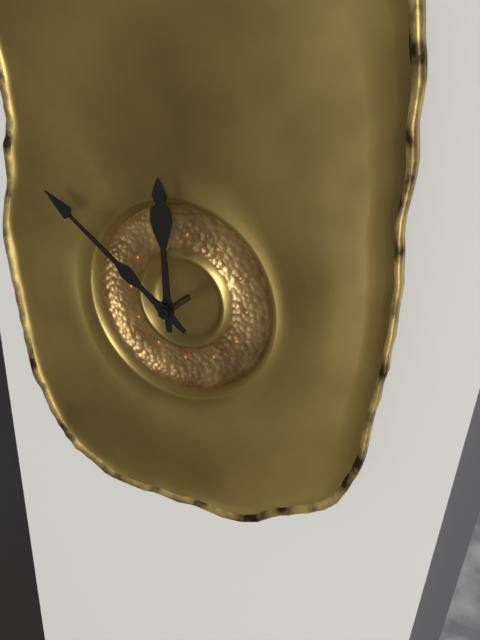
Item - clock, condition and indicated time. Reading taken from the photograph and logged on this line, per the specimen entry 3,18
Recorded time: 11,51
